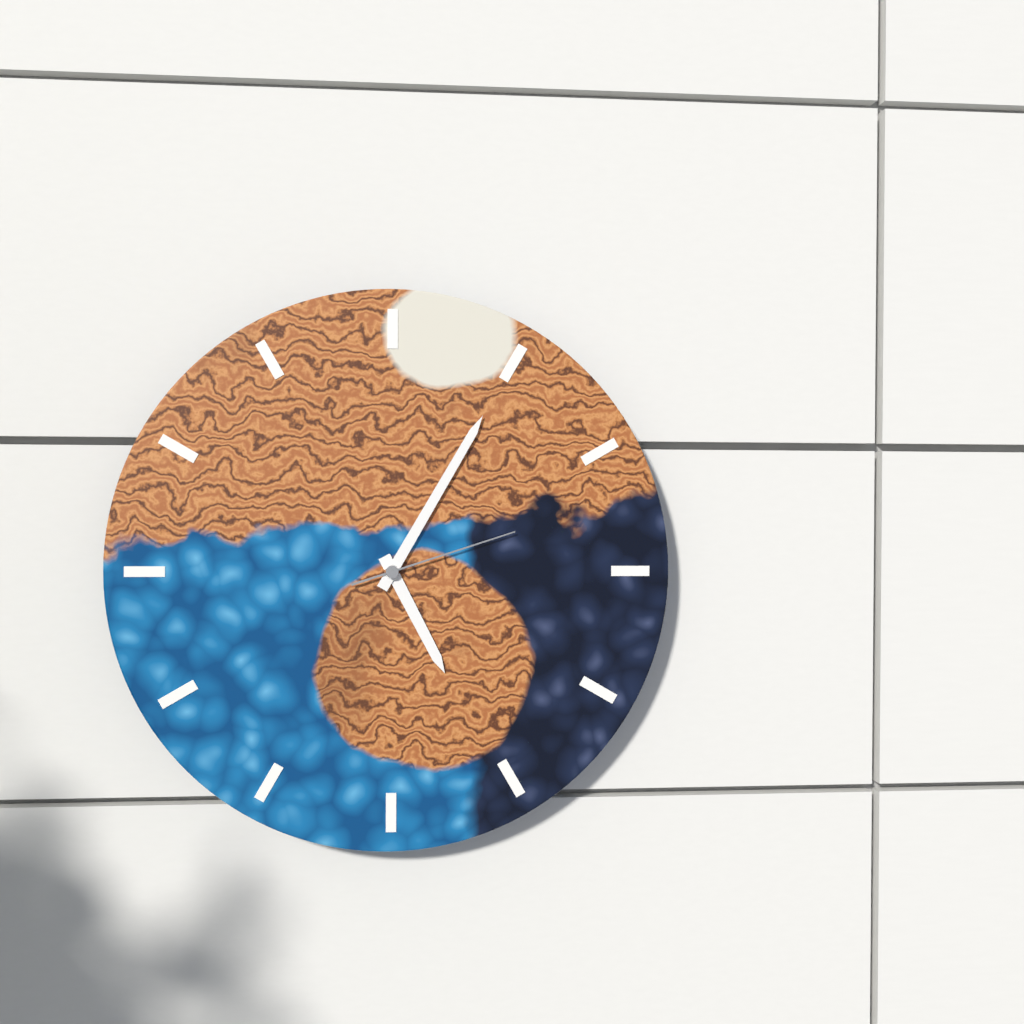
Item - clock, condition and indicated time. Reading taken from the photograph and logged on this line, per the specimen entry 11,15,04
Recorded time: 5,05,12
